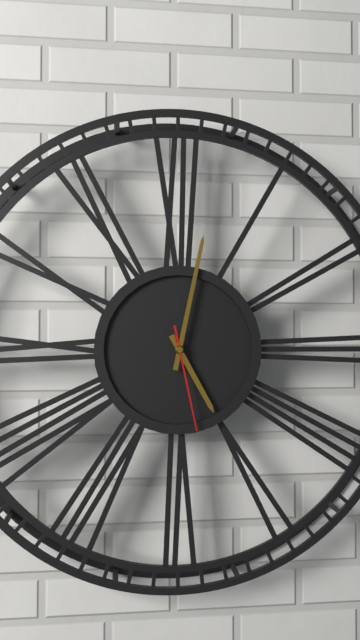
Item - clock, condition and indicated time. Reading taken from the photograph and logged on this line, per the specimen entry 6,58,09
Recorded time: 5,02,28
